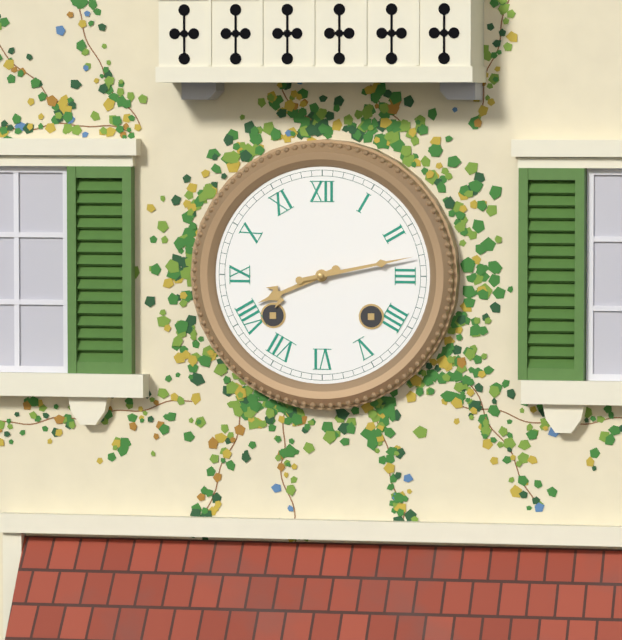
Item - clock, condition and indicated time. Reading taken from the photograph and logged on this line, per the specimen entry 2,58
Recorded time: 8,13
